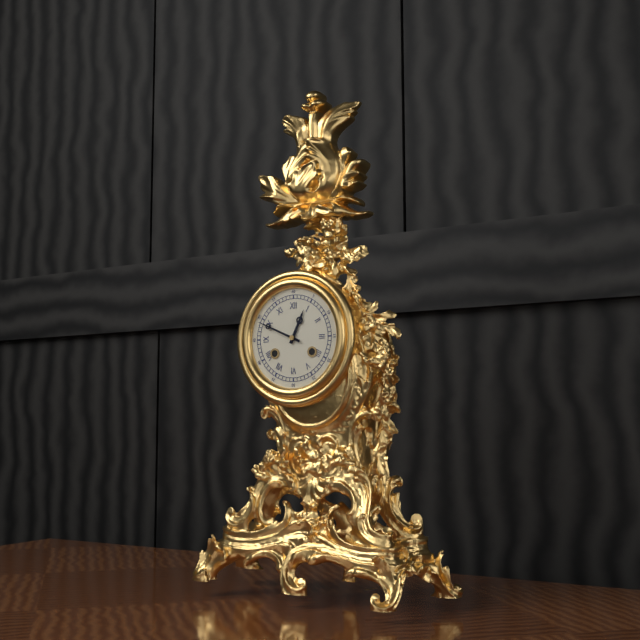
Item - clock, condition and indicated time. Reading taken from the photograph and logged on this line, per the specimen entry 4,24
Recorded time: 12,49
